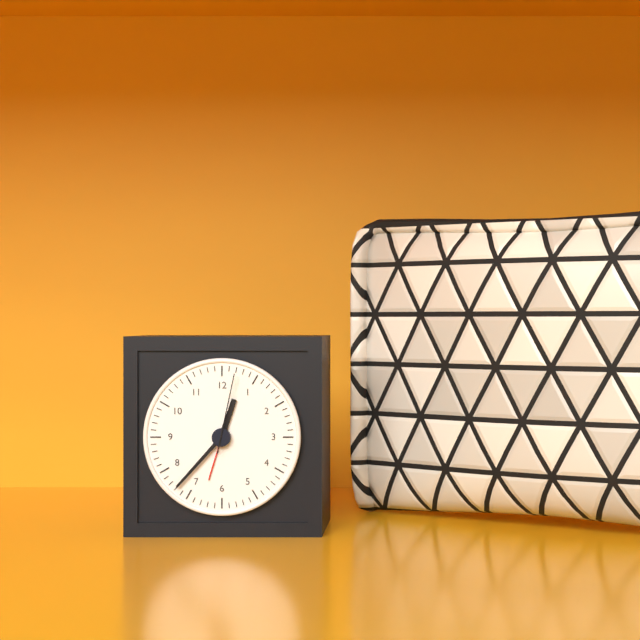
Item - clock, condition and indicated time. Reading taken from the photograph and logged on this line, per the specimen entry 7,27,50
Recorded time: 12,37,02
